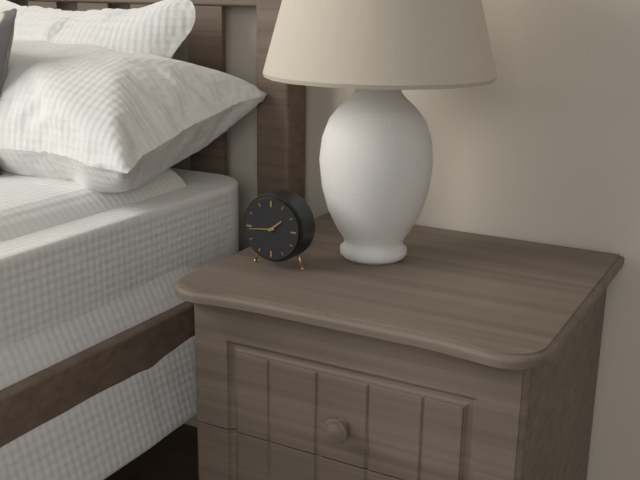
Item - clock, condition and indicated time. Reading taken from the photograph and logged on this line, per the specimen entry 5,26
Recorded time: 1,44
